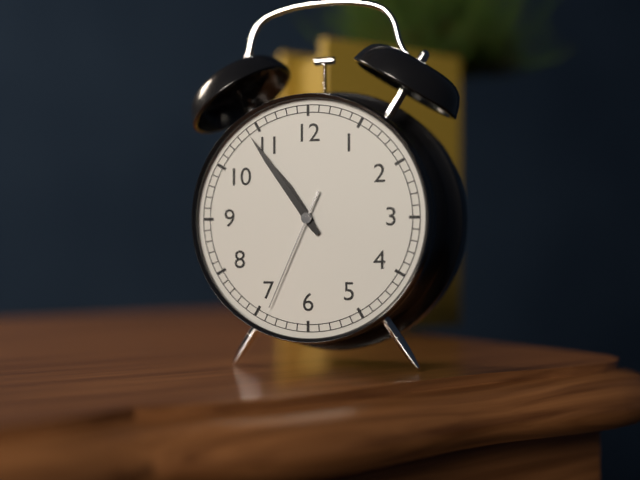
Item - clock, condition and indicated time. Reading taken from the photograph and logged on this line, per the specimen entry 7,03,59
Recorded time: 10,54,34
